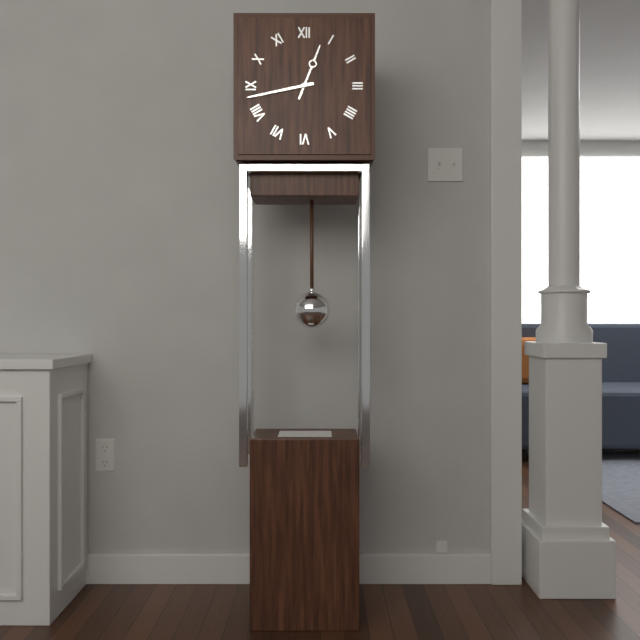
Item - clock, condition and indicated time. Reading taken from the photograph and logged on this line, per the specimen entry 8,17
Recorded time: 12,43
